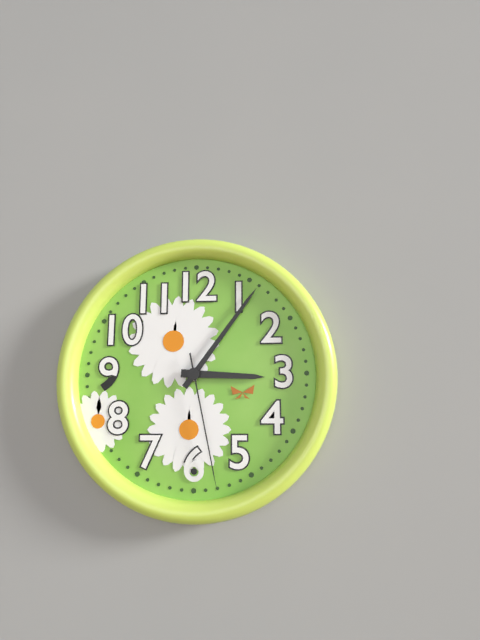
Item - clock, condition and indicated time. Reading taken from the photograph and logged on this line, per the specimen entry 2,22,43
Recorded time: 3,06,28
